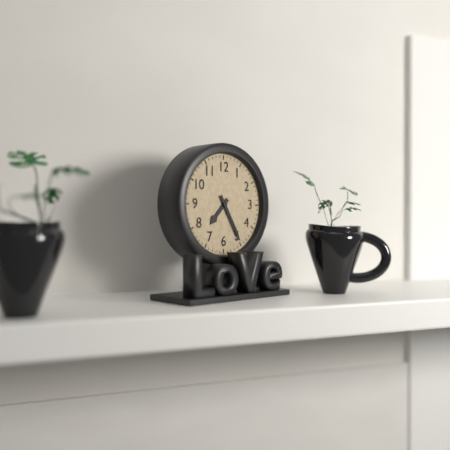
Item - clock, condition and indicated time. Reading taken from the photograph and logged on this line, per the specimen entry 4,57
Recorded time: 7,25
